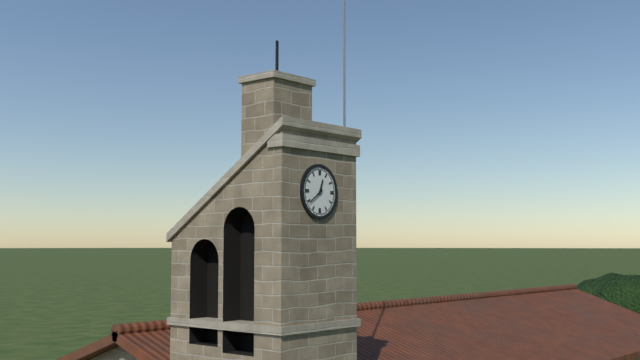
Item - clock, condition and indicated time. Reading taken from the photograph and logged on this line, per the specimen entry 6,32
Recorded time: 12,39
